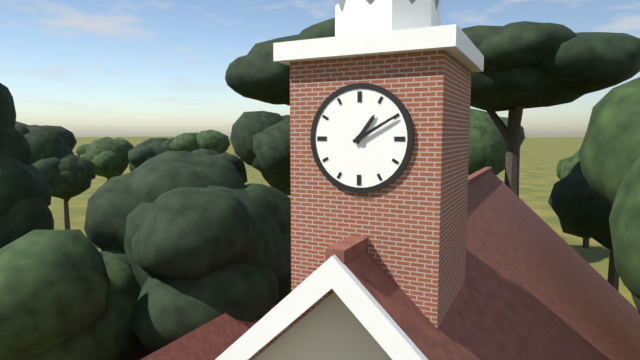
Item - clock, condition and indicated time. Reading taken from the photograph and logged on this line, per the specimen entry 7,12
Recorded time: 1,10
